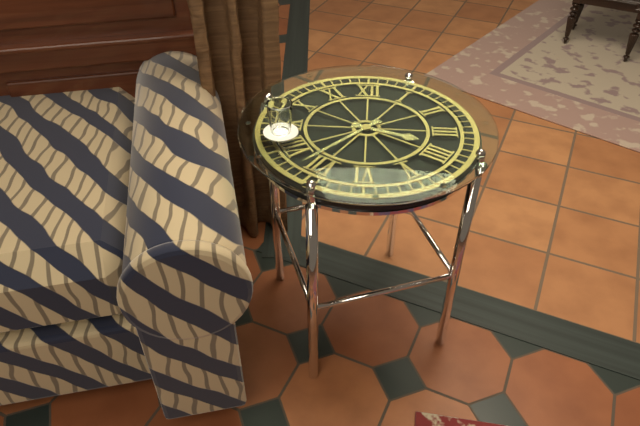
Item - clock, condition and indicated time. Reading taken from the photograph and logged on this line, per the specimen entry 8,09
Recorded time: 3,37
